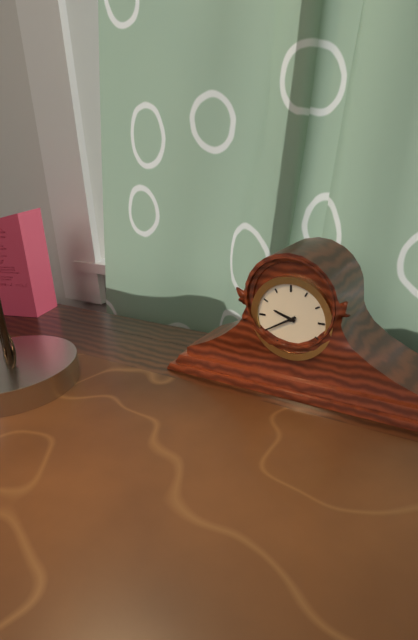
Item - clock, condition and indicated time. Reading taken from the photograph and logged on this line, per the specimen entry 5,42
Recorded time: 9,40
